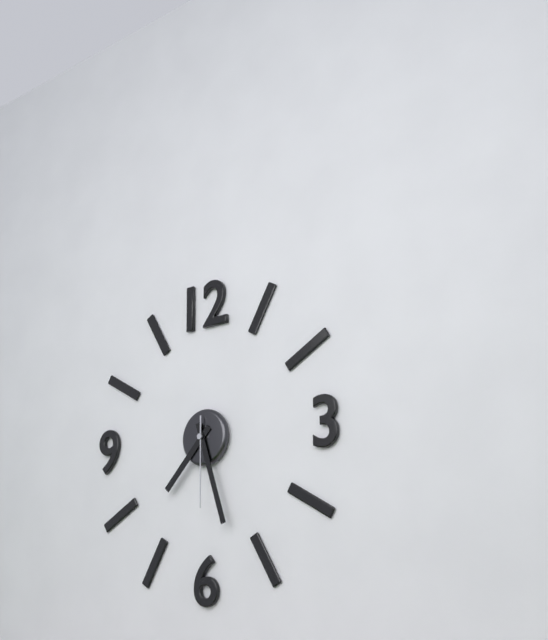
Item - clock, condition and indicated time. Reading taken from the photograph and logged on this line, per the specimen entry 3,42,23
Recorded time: 7,27,30
